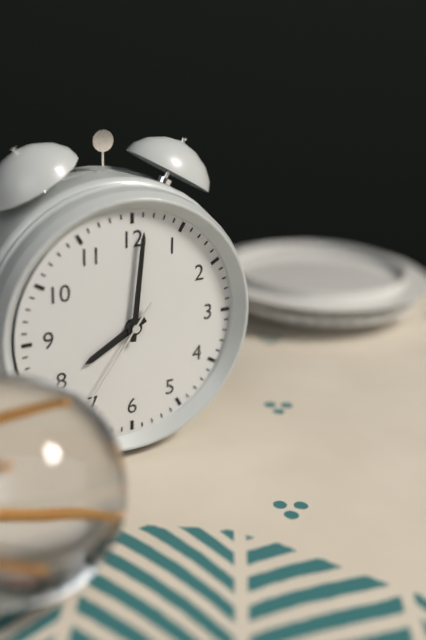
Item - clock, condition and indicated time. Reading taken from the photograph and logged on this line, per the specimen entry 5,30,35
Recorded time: 8,01,36
